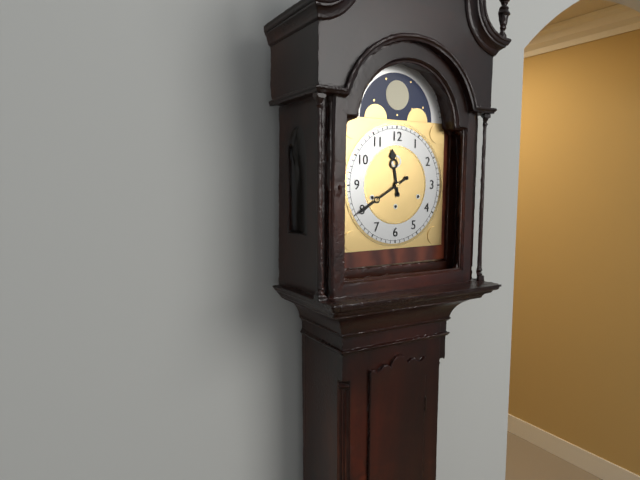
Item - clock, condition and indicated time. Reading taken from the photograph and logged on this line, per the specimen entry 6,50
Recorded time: 11,40
